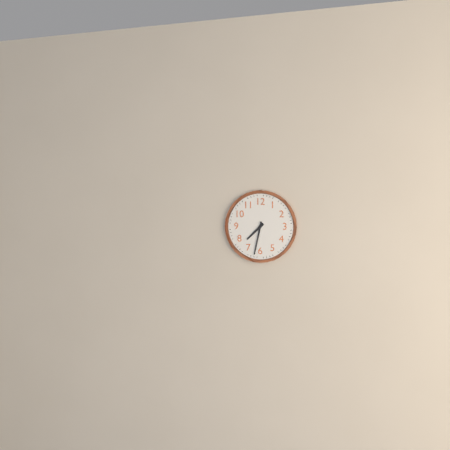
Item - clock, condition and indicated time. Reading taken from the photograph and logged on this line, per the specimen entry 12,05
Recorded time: 7,32
